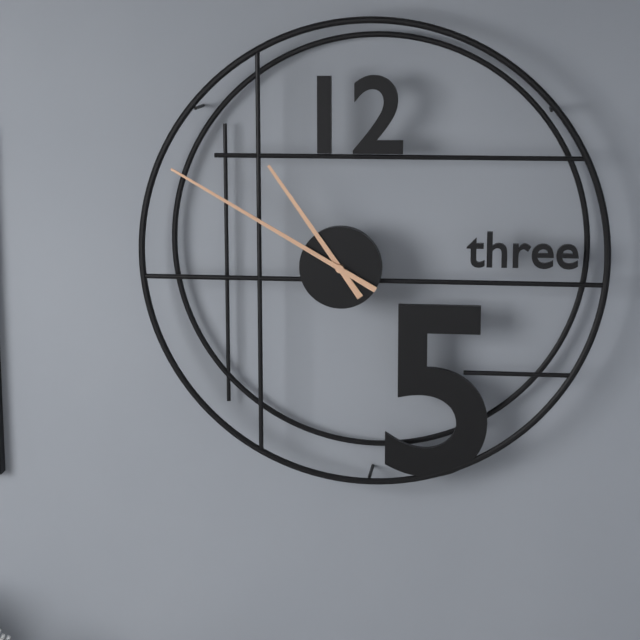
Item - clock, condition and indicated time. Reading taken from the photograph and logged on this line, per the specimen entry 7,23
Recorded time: 10,50
